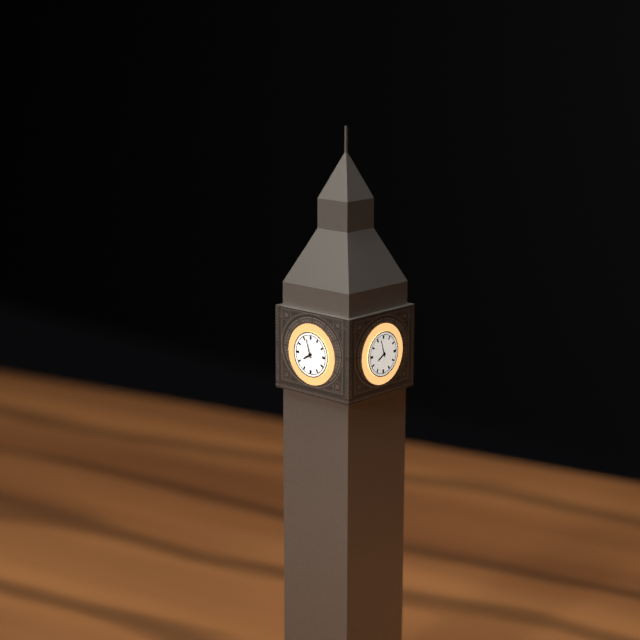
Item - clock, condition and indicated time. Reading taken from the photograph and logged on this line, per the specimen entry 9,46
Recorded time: 7,57
